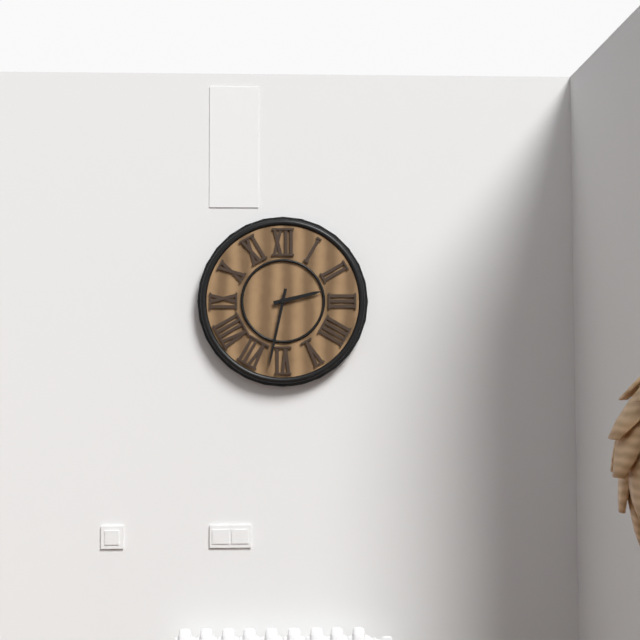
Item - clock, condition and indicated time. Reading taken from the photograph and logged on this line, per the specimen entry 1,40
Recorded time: 2,32
